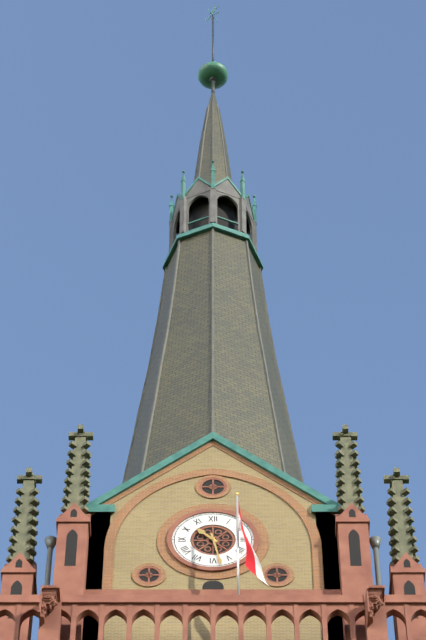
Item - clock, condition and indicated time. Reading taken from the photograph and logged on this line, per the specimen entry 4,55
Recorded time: 10,28
